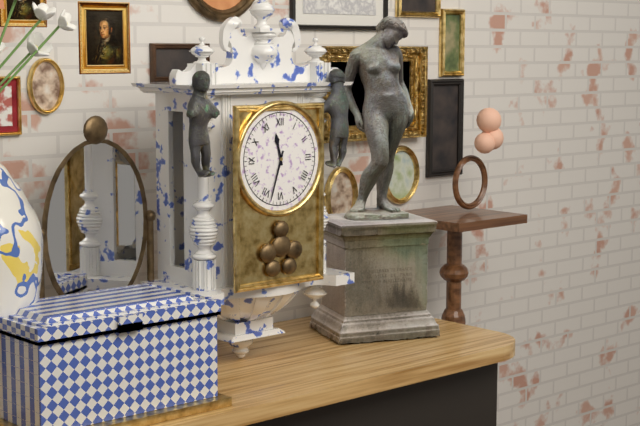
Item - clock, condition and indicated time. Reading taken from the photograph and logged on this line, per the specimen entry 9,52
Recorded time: 11,33
